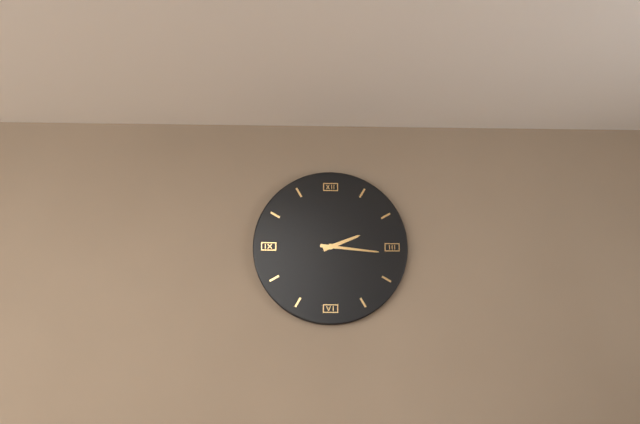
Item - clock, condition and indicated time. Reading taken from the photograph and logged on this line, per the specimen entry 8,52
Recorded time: 2,16
